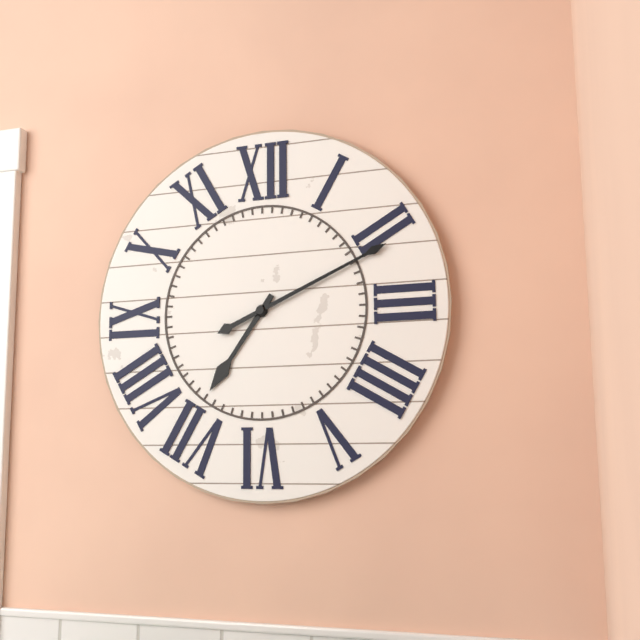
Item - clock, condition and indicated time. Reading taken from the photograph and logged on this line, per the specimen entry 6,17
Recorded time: 7,11
